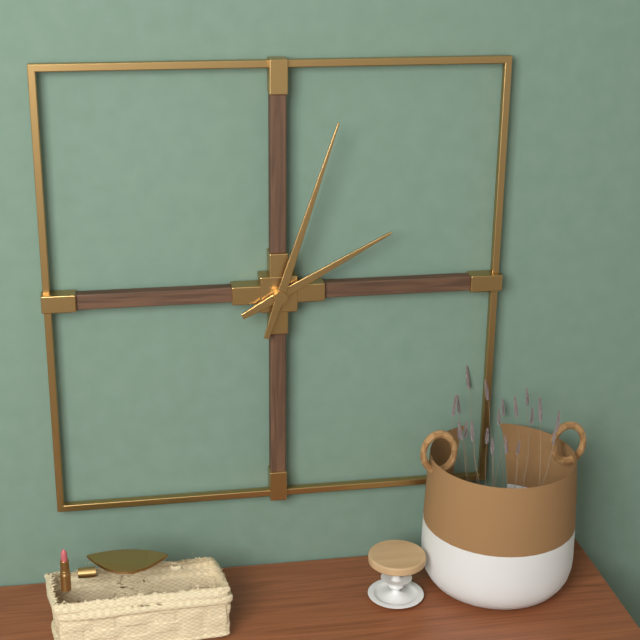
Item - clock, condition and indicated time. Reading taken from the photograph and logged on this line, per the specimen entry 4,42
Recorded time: 2,03
